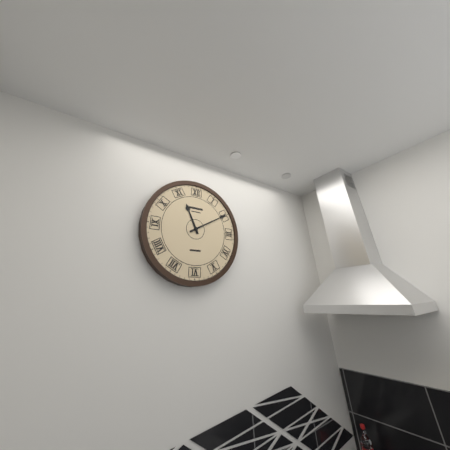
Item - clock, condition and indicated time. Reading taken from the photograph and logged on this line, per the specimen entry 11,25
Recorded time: 11,10
